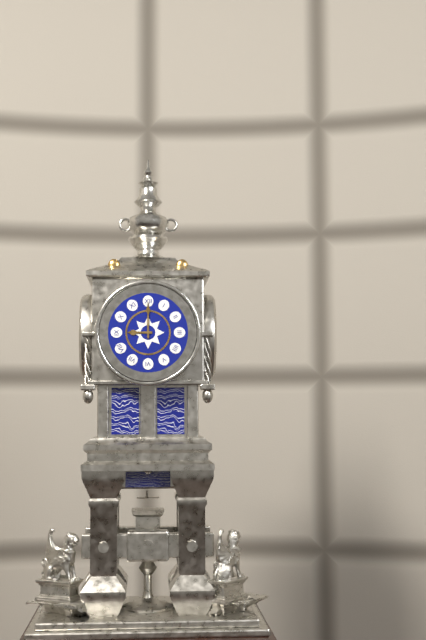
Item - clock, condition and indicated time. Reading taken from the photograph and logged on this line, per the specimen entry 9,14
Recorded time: 9,00
